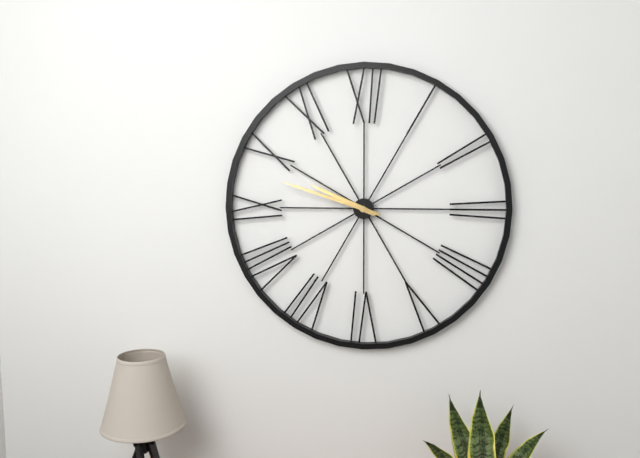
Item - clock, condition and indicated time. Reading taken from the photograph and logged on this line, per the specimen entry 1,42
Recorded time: 9,48
